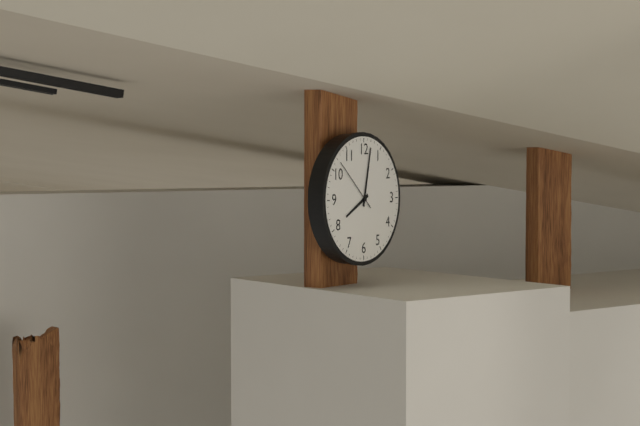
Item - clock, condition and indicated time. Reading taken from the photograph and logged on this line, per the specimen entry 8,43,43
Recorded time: 8,02,52
